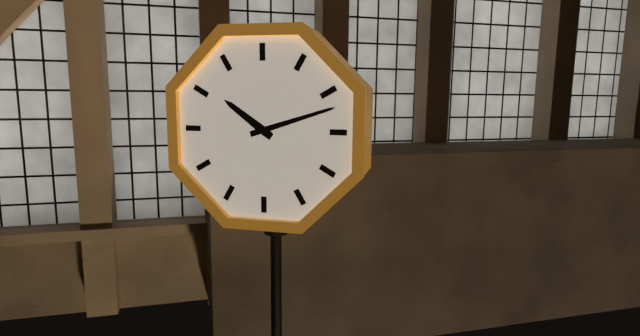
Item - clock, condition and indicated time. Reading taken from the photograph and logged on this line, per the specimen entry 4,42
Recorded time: 10,12
